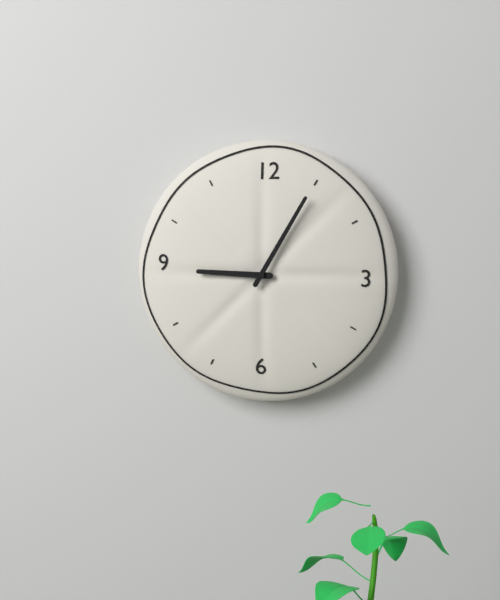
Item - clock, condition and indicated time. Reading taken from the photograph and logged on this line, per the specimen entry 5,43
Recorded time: 9,05
